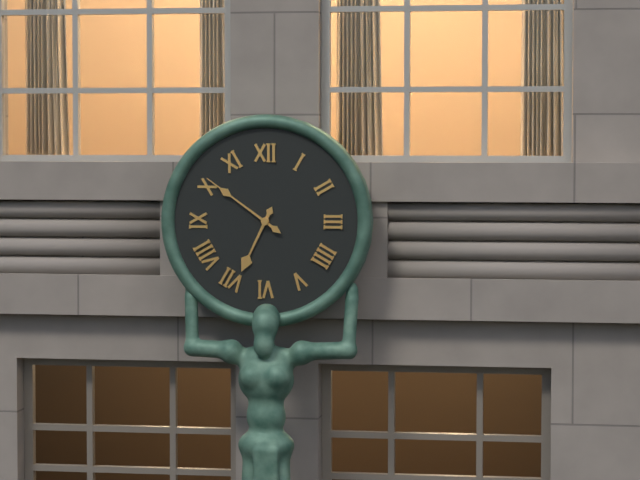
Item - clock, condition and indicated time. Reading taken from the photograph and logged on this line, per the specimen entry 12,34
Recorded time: 6,51
